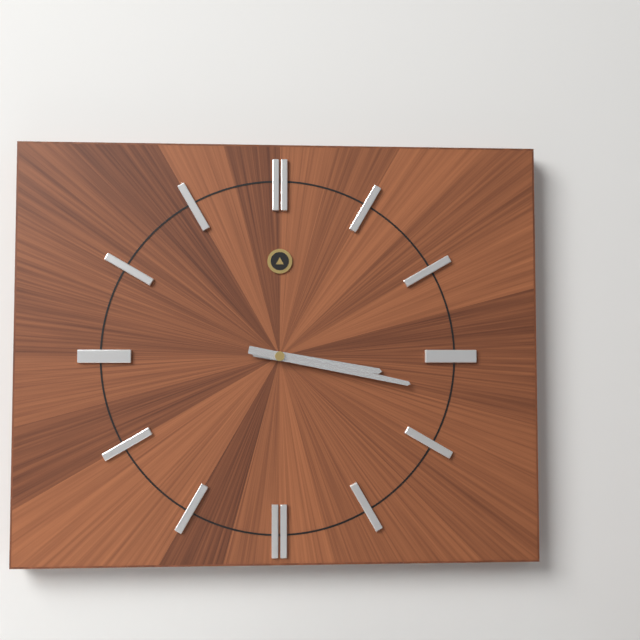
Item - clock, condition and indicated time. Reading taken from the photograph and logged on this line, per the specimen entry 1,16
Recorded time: 3,17
